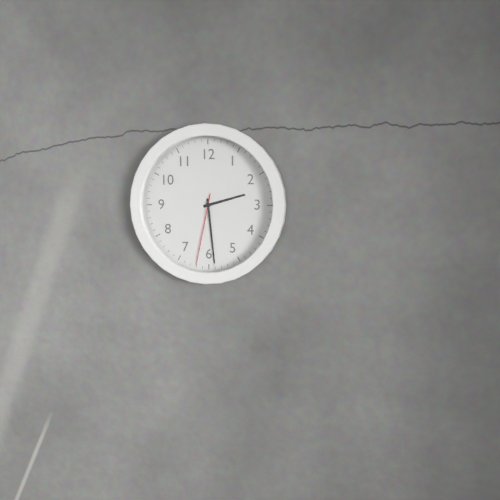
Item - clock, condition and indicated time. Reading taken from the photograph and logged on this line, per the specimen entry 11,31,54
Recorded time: 2,29,32
